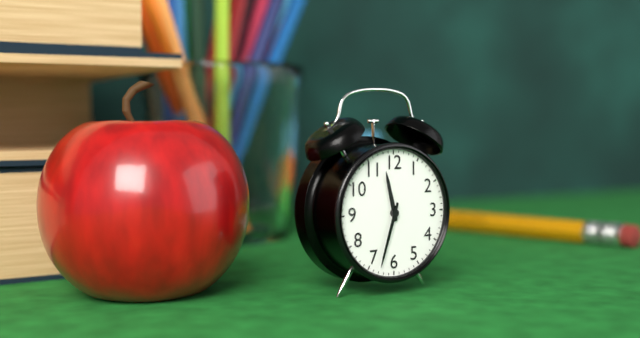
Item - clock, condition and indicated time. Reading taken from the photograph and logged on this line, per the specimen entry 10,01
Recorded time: 11,33
